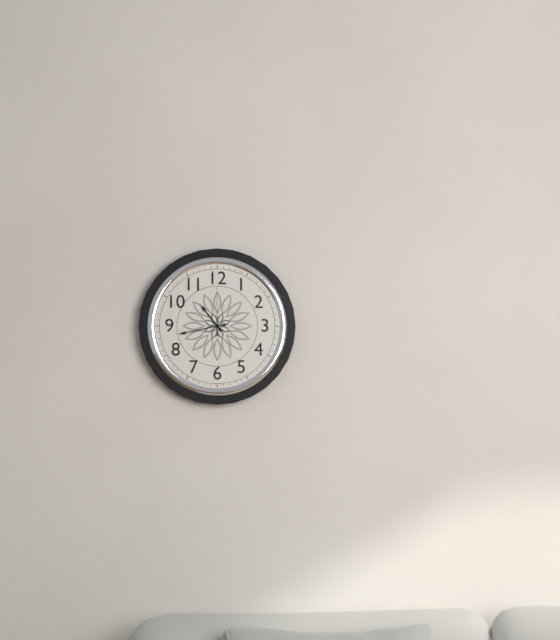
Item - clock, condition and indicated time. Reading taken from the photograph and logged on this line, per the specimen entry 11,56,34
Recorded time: 10,43,00
